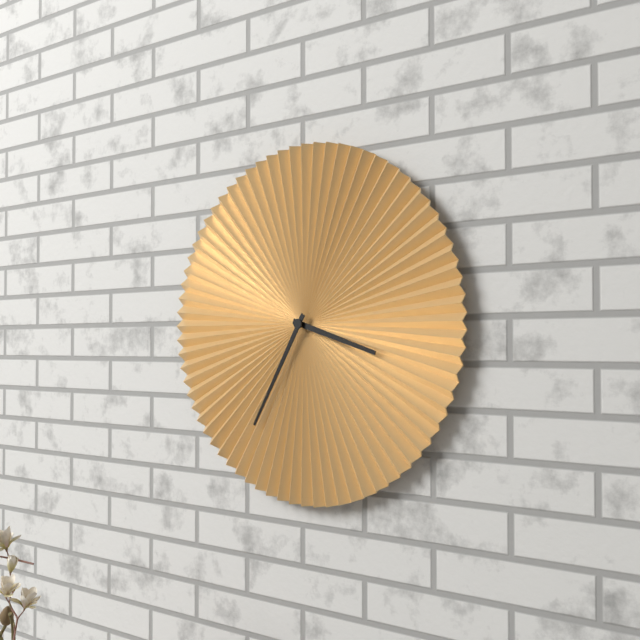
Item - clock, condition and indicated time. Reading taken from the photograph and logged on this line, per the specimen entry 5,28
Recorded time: 3,35
